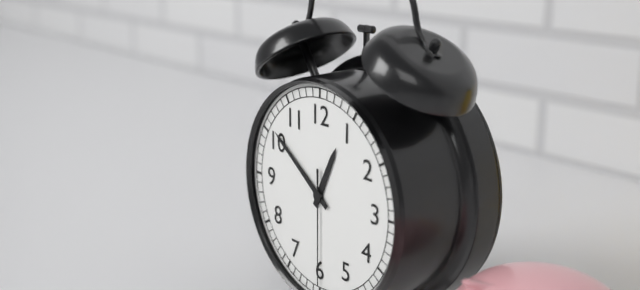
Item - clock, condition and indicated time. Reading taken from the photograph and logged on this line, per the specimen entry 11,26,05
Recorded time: 12,51,30
